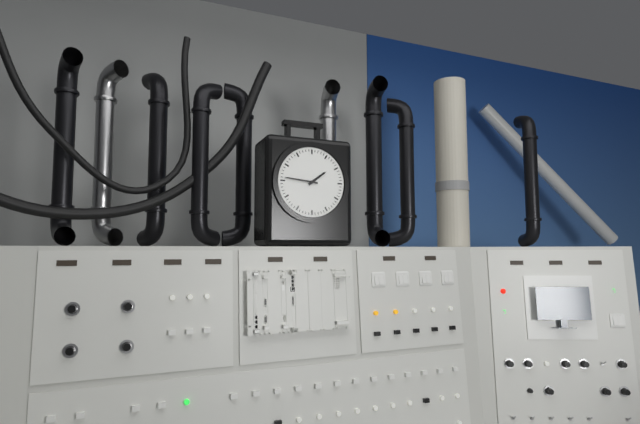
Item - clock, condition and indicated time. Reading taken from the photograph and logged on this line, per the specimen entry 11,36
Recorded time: 1,46
